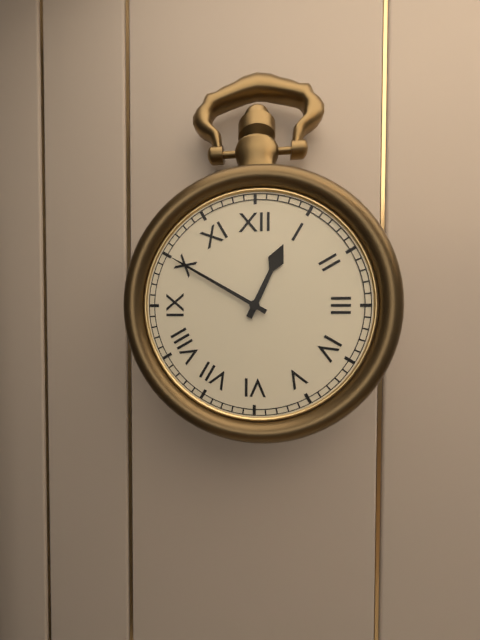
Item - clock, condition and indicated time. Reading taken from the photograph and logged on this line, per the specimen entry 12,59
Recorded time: 12,50
